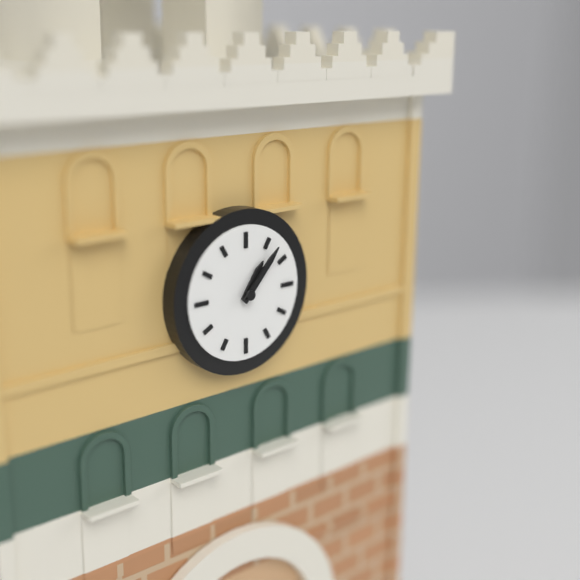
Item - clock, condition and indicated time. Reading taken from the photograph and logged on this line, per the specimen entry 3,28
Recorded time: 1,07
